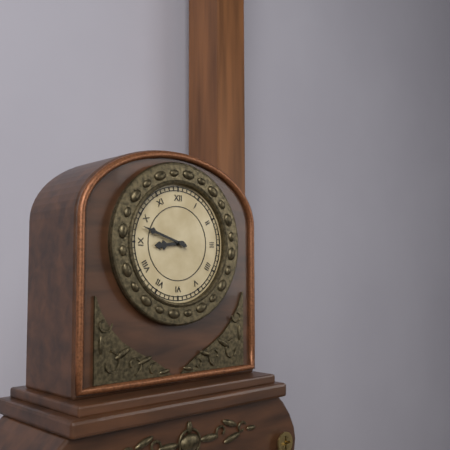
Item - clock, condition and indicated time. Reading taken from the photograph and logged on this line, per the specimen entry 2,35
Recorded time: 8,48
